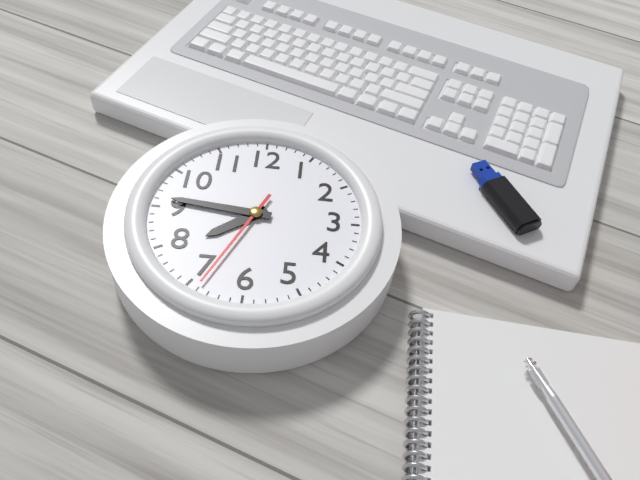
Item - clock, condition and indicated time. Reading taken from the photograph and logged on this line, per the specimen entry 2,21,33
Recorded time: 7,46,34
